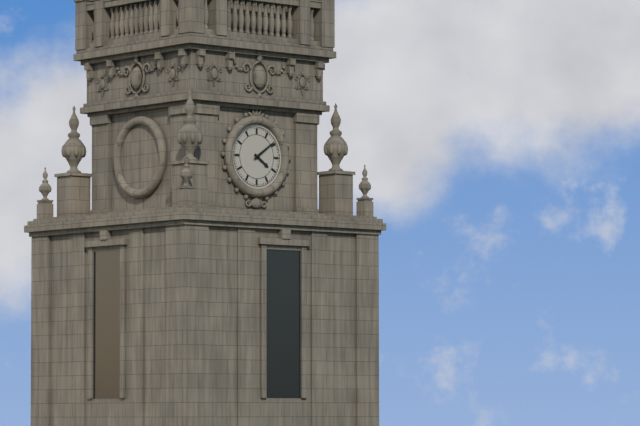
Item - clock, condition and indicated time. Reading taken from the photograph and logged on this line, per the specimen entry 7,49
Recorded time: 4,09
